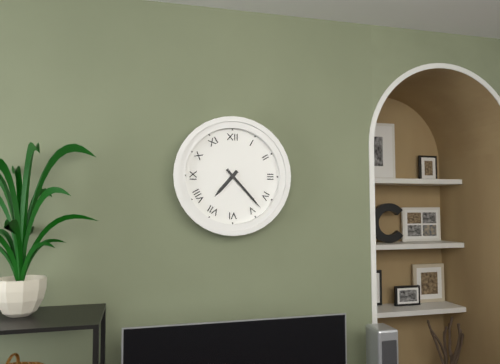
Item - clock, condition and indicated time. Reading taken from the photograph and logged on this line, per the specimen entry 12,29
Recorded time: 7,23
